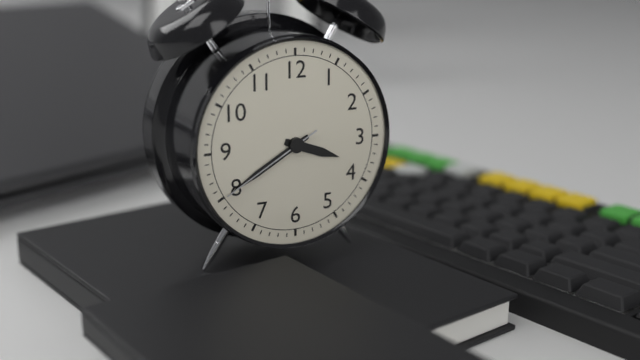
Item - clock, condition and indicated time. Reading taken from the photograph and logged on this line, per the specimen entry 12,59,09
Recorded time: 3,40,40
